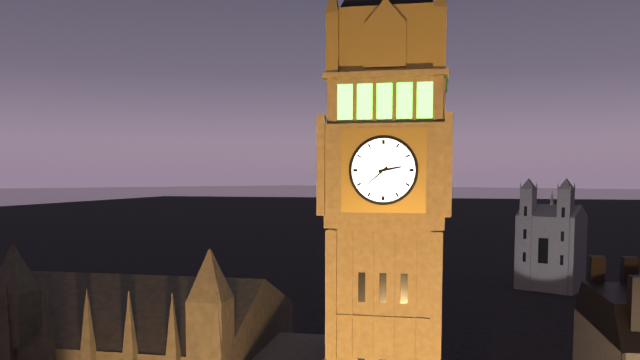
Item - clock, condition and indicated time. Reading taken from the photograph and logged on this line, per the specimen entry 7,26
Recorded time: 2,38
